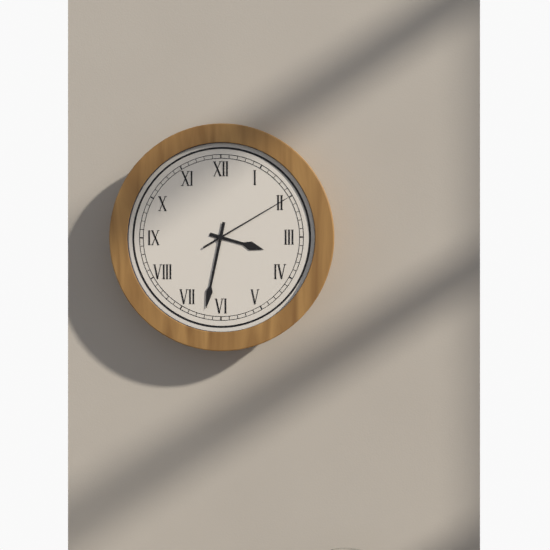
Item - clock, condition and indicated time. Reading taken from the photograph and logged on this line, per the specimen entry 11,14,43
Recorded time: 3,32,10
